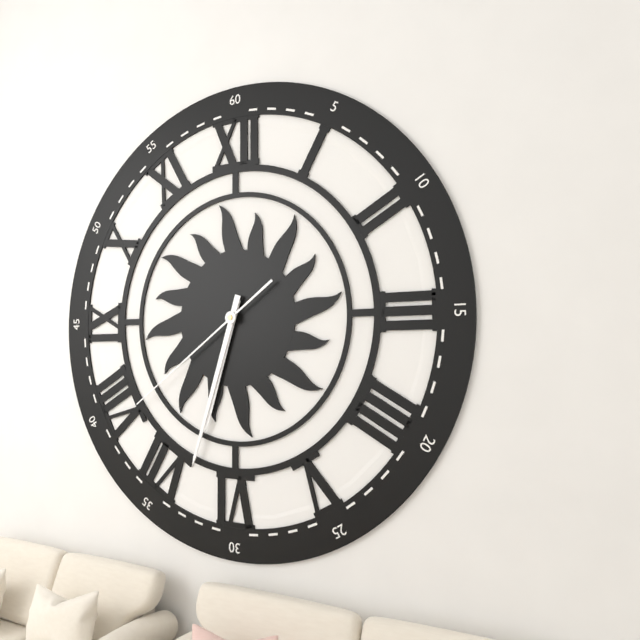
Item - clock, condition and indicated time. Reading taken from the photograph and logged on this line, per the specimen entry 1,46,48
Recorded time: 6,33,39
